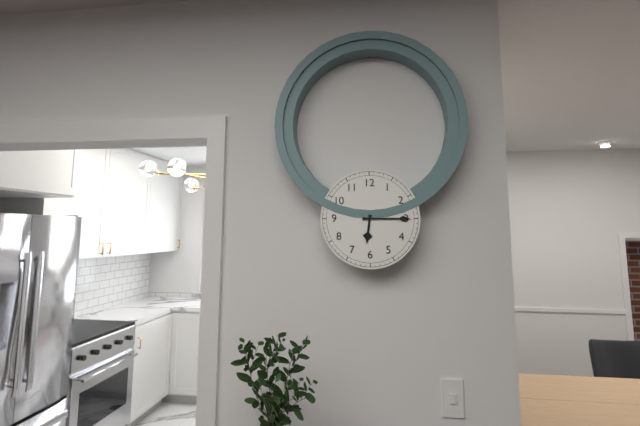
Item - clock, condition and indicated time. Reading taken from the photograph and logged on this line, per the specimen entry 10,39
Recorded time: 6,15
